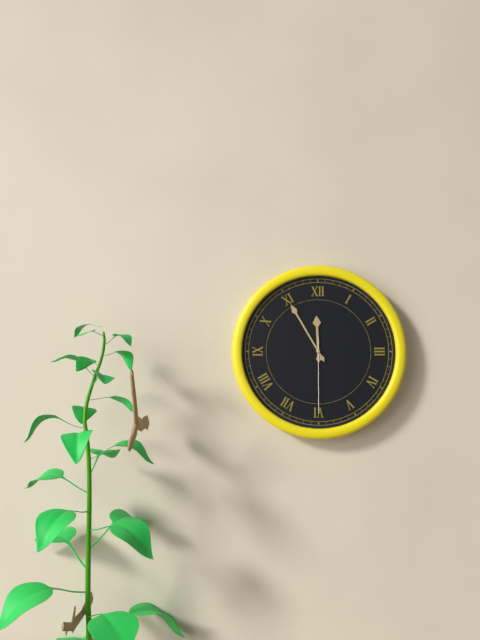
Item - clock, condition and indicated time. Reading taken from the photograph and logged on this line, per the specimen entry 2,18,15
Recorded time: 11,55,30
